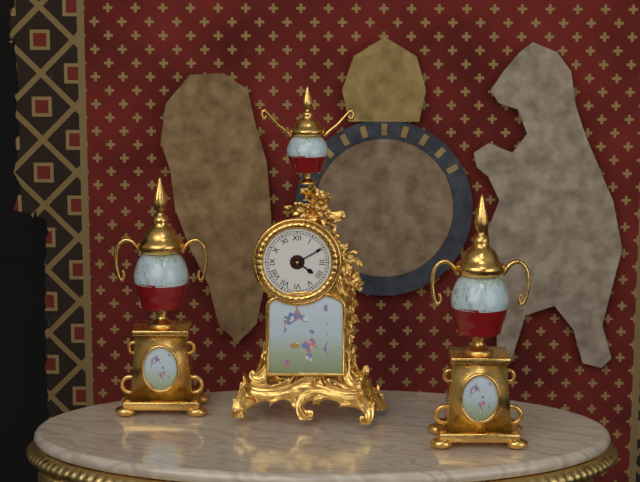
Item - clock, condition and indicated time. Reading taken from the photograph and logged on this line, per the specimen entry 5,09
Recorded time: 4,10
